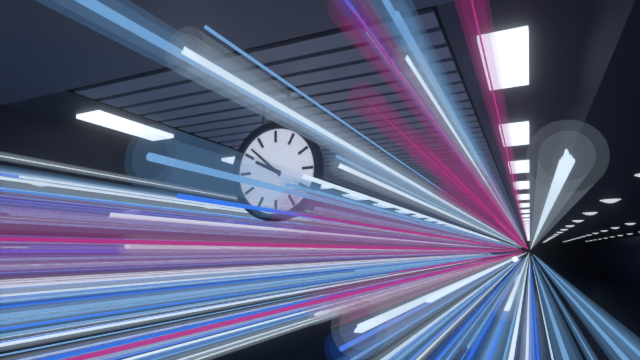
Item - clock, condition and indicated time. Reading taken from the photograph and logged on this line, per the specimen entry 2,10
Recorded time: 9,52
